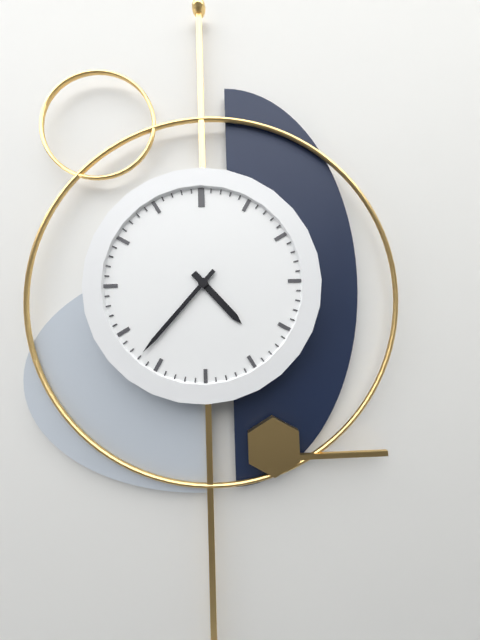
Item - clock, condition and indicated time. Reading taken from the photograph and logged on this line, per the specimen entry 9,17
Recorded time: 4,37
